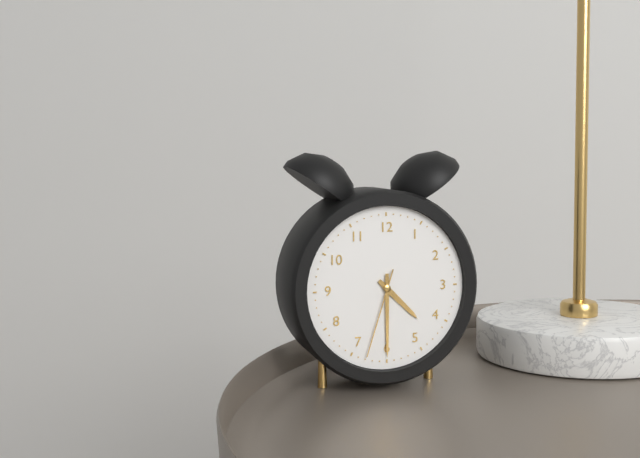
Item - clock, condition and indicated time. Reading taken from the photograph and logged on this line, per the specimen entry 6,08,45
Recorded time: 4,30,33
